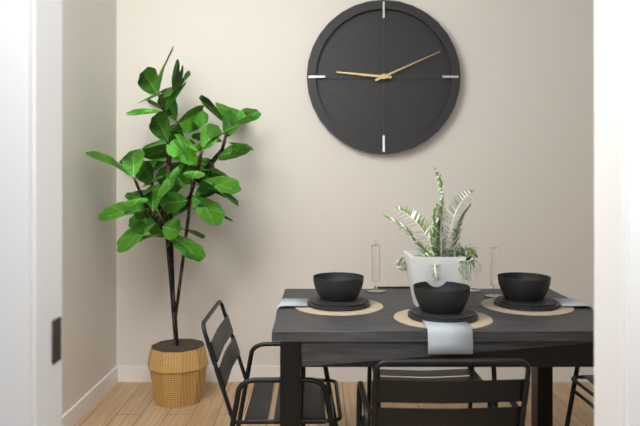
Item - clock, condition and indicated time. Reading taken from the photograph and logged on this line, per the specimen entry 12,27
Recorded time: 9,11
